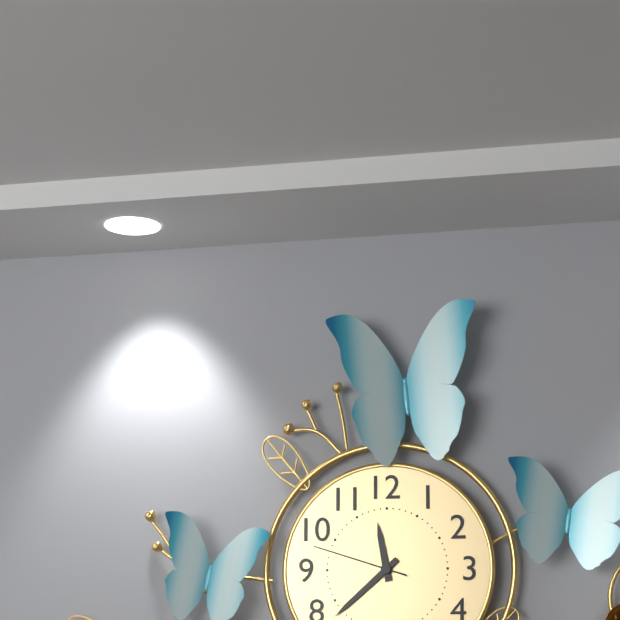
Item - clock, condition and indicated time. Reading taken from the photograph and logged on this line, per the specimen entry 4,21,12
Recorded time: 11,38,48
